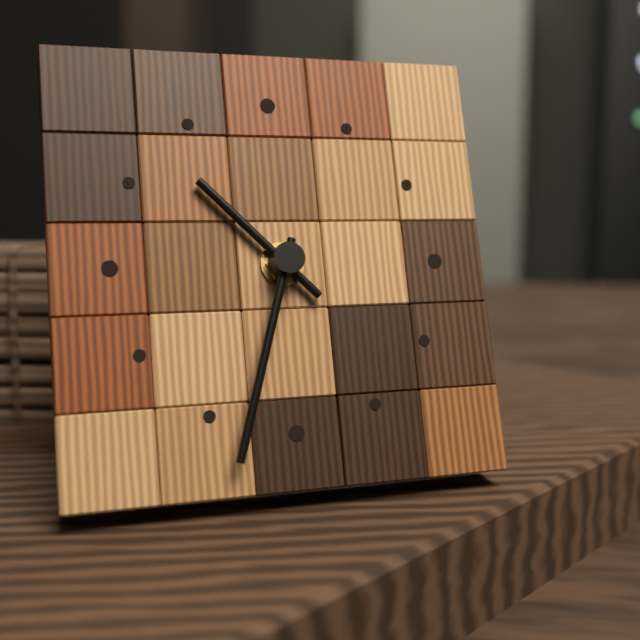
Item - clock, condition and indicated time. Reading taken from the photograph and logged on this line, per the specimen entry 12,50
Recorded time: 10,33
